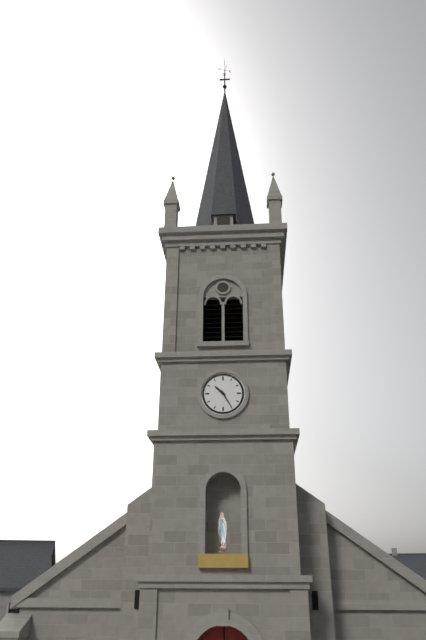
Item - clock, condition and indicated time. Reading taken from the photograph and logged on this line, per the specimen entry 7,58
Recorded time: 10,25
